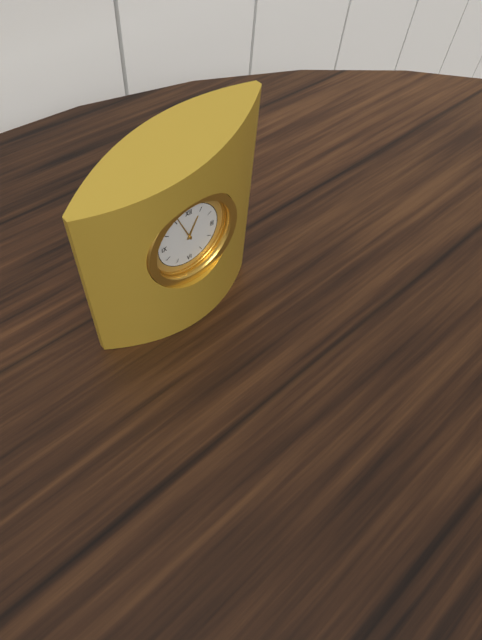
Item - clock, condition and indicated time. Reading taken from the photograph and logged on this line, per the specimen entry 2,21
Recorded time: 12,56
